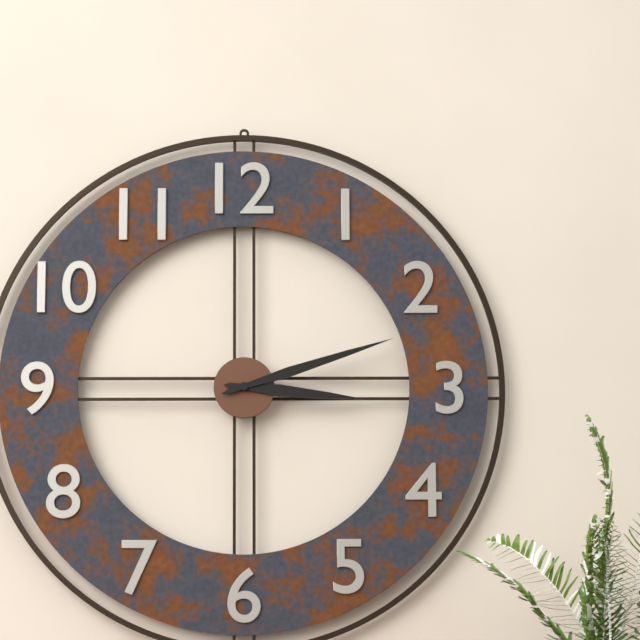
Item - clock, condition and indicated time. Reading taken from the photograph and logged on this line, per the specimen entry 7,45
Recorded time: 3,12
